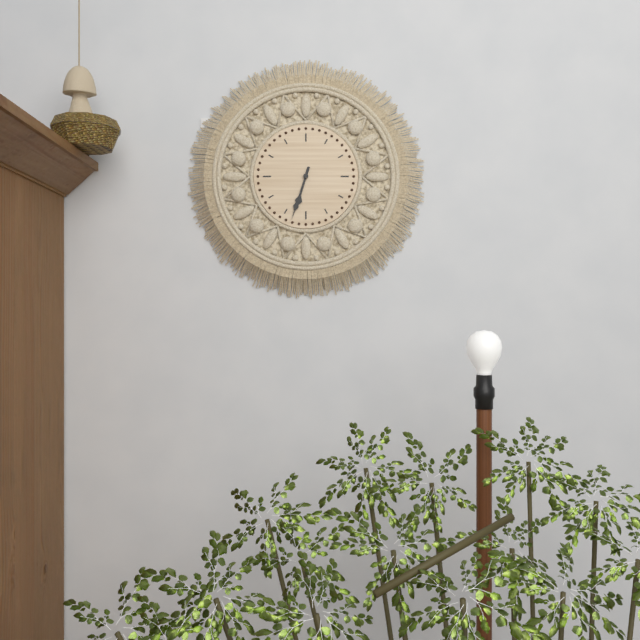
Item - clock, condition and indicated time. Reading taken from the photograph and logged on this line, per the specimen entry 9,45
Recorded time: 6,33
